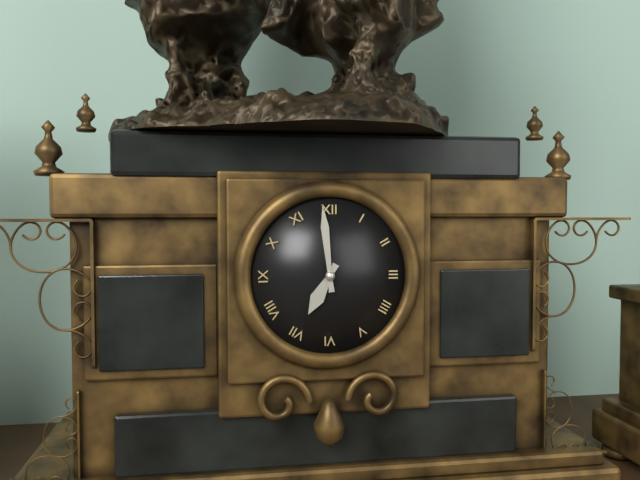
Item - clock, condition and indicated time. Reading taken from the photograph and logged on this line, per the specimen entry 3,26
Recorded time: 6,59
